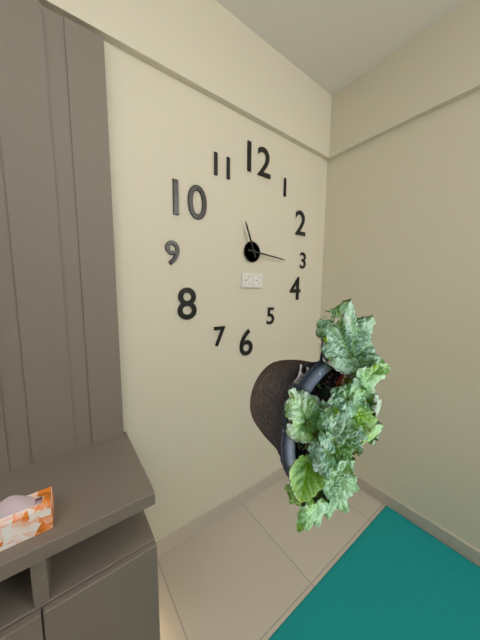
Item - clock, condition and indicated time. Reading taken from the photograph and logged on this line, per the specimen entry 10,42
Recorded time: 11,16
